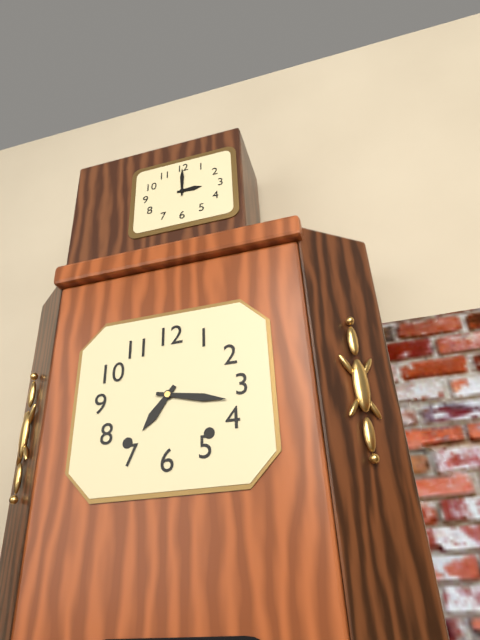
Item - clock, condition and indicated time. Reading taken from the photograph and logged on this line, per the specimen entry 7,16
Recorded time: 7,17
